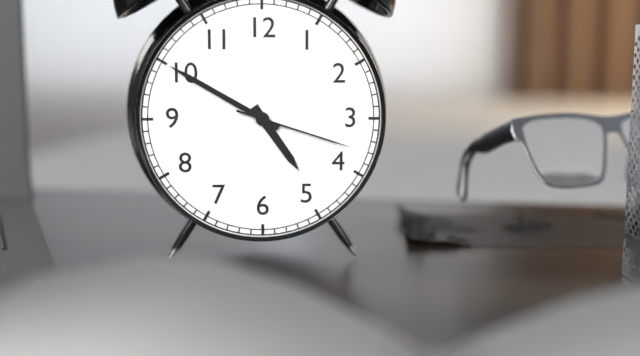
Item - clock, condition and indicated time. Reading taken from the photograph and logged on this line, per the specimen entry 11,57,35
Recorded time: 4,50,18
